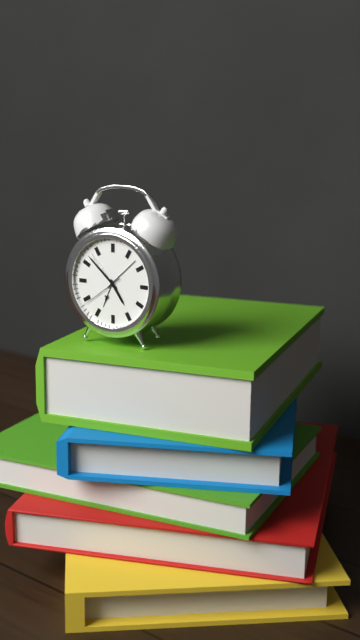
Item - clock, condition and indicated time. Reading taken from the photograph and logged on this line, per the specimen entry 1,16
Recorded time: 4,52
